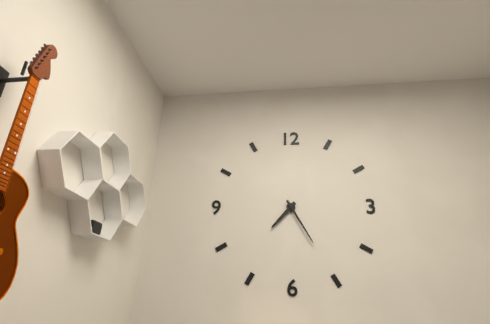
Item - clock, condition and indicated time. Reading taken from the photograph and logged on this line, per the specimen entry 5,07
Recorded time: 7,25
